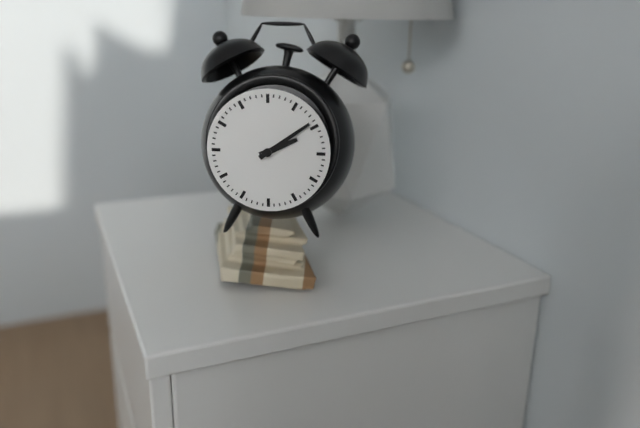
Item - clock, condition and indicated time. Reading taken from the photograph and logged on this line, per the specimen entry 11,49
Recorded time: 2,09
